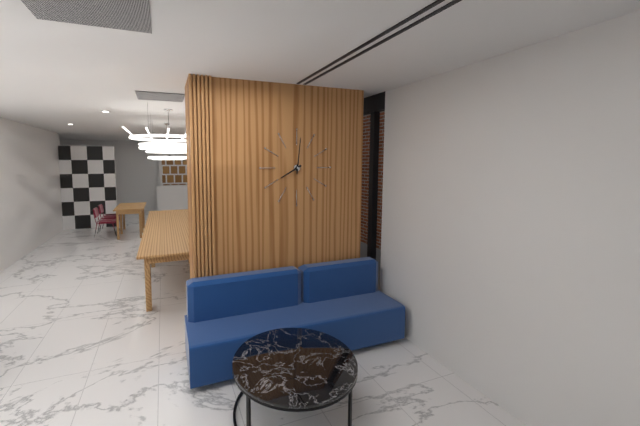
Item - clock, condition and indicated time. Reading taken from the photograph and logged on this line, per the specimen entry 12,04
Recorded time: 8,01
